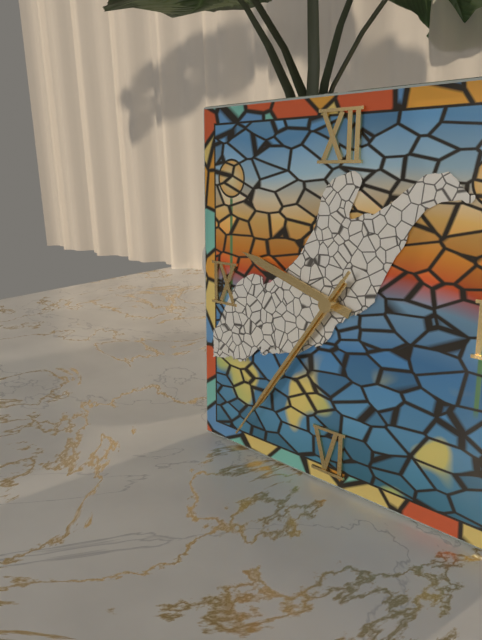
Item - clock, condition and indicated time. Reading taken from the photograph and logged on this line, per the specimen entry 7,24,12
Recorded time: 9,36,36
